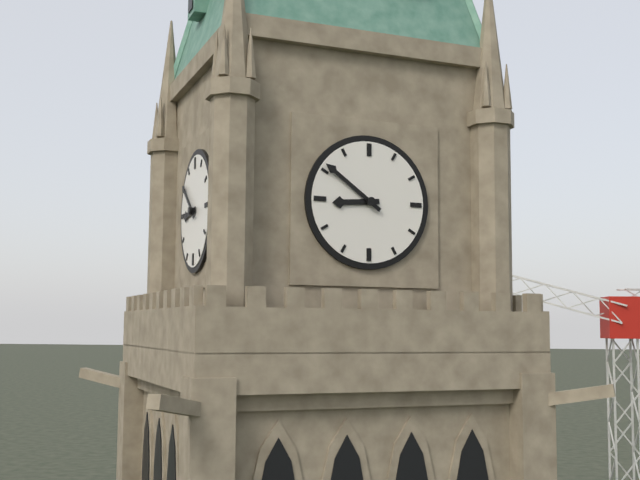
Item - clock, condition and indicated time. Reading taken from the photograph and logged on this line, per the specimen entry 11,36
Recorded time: 8,51
